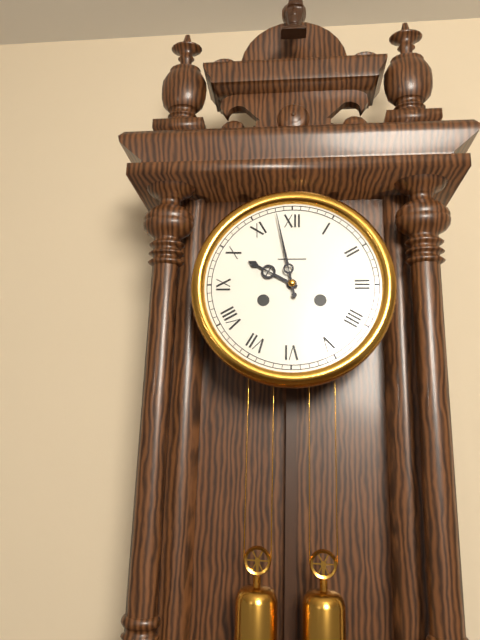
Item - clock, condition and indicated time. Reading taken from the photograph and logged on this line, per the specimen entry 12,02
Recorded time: 9,58
